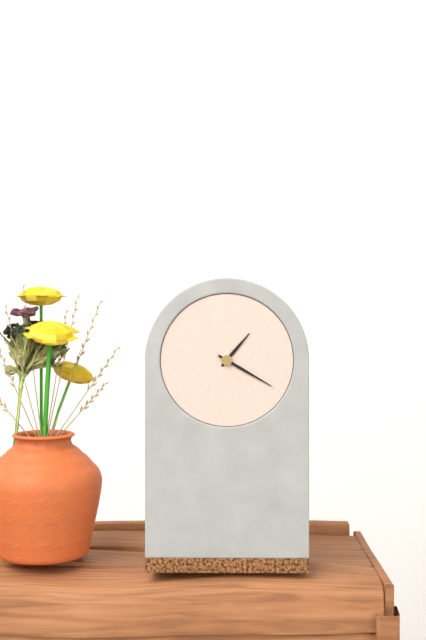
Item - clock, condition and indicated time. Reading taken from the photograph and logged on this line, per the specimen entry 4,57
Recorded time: 1,20
